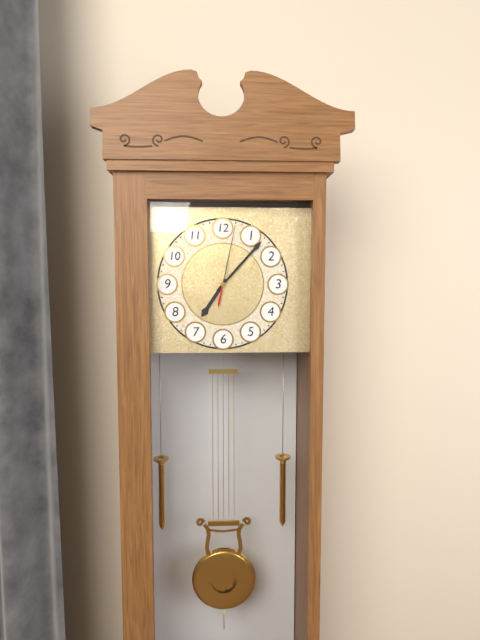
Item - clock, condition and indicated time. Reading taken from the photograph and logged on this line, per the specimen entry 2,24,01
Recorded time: 7,07,02
